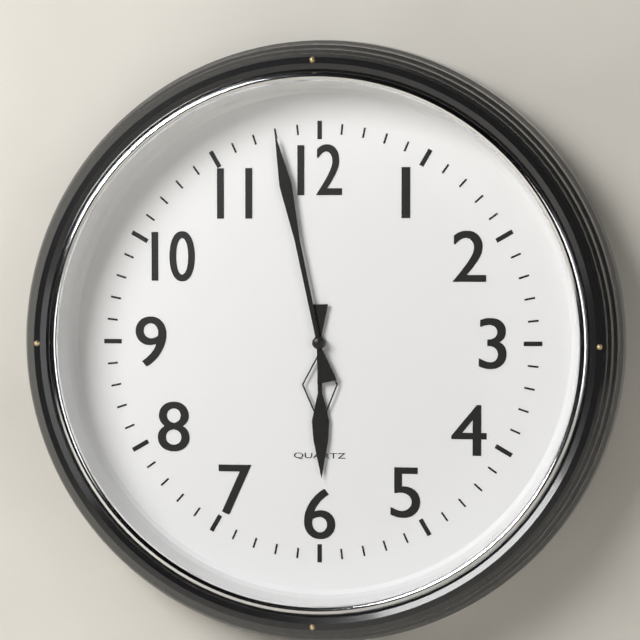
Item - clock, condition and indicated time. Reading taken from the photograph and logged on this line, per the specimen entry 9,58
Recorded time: 5,58
